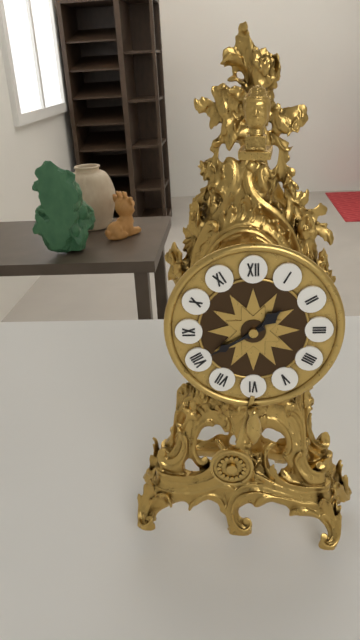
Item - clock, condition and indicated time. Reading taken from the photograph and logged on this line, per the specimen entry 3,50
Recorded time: 1,40
